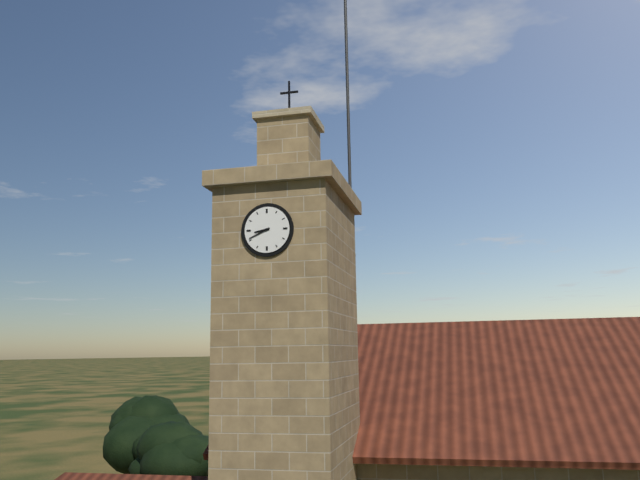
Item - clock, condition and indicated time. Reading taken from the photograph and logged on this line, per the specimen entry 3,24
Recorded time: 8,41
